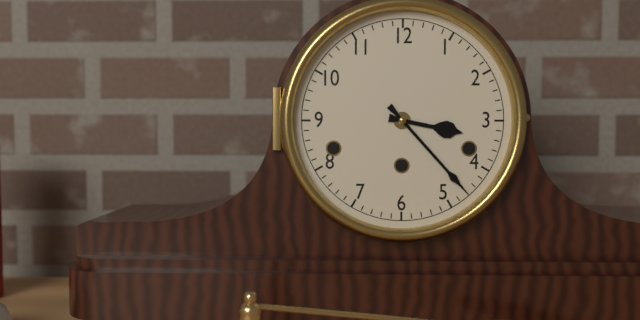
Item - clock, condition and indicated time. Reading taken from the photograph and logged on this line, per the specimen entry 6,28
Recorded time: 3,23
